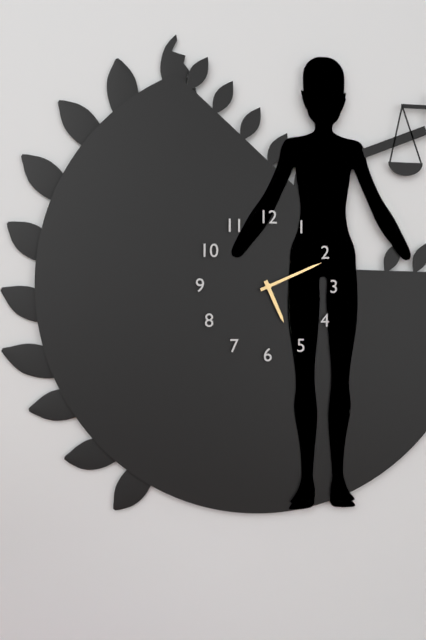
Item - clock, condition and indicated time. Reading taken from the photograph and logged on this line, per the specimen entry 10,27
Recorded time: 5,11
